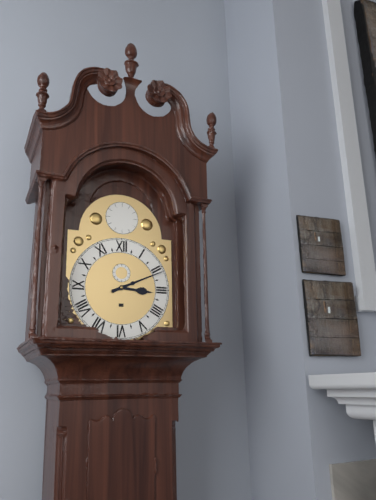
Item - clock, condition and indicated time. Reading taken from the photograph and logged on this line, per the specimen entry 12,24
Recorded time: 3,11
